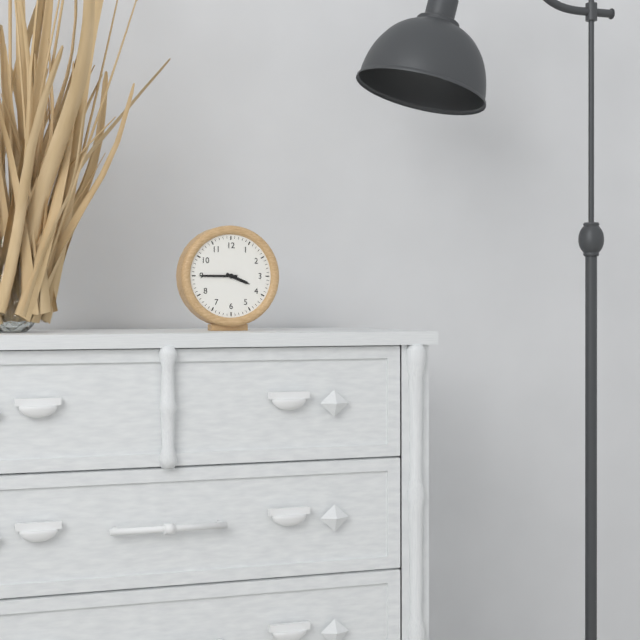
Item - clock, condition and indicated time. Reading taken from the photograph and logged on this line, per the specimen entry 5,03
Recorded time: 3,45
